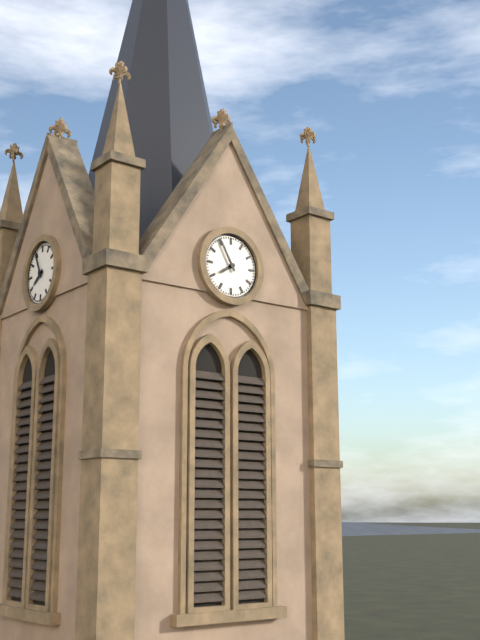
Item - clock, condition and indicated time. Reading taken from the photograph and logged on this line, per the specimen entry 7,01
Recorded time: 7,55
